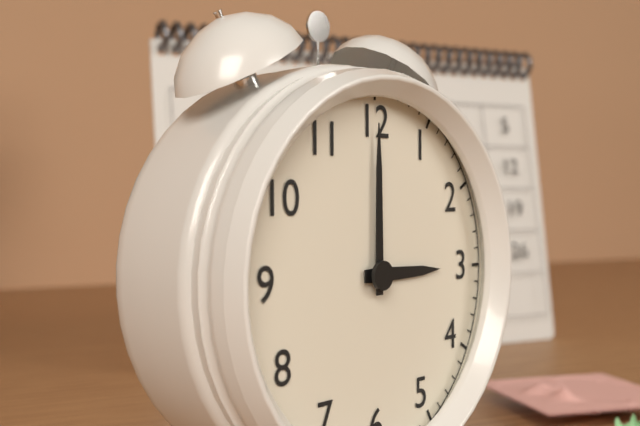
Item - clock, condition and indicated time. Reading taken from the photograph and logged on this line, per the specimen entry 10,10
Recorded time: 3,00
